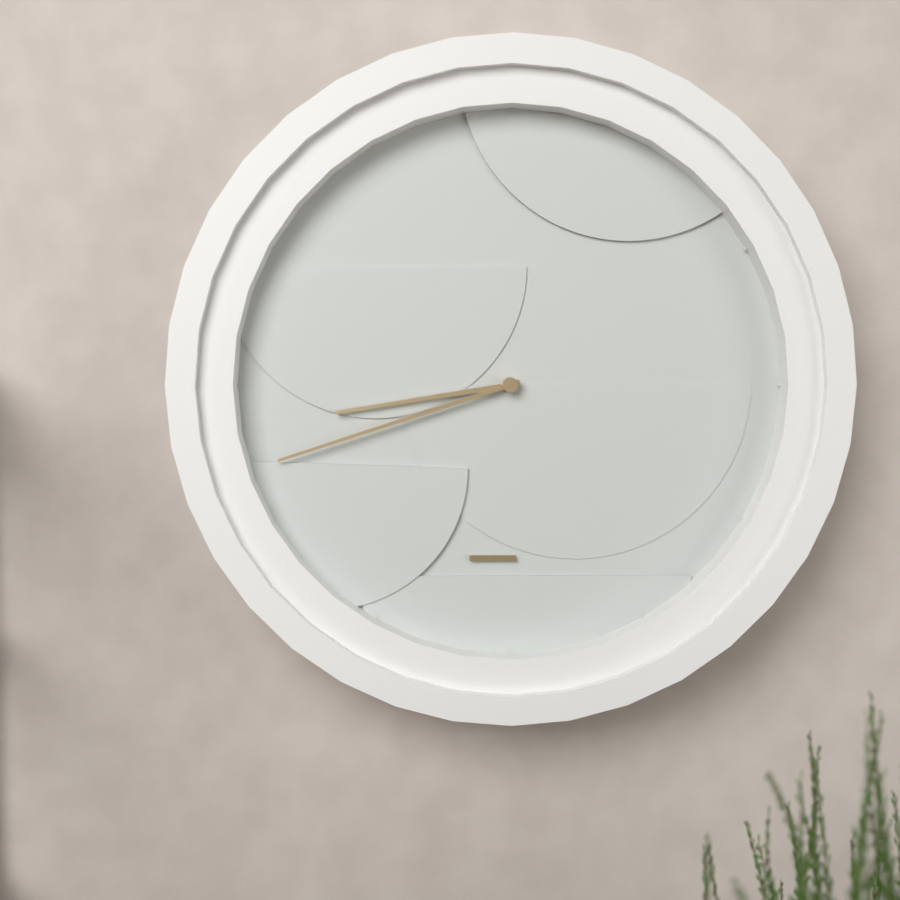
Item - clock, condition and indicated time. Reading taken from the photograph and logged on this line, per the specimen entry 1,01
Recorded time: 8,42
